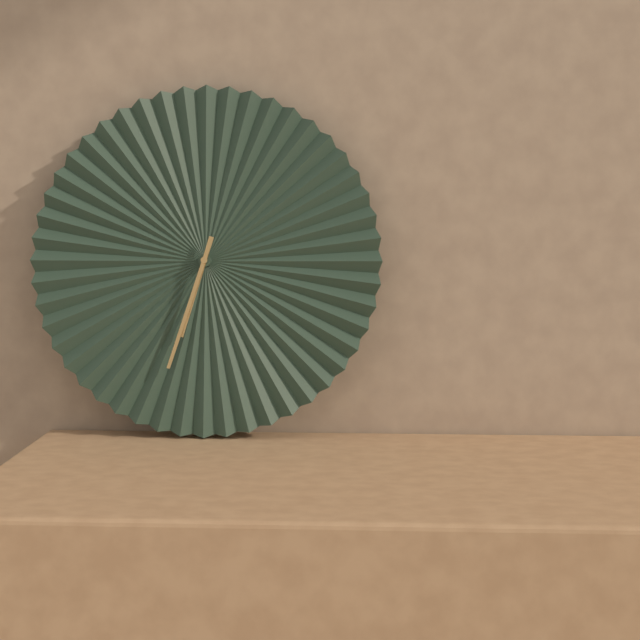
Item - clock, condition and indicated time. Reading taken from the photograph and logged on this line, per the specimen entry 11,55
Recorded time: 6,33
